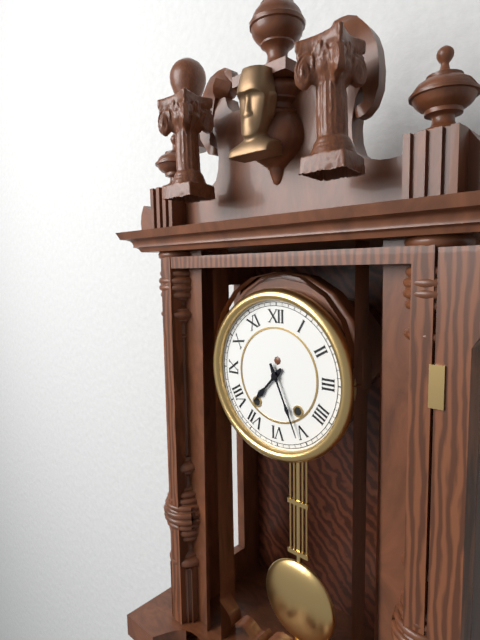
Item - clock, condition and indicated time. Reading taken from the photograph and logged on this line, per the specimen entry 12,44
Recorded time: 7,26
